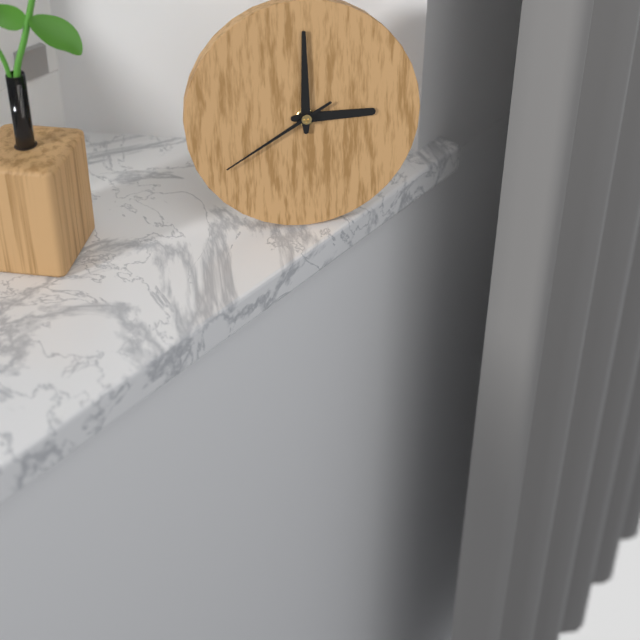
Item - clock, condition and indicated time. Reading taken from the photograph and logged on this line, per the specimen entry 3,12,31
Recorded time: 3,00,40
